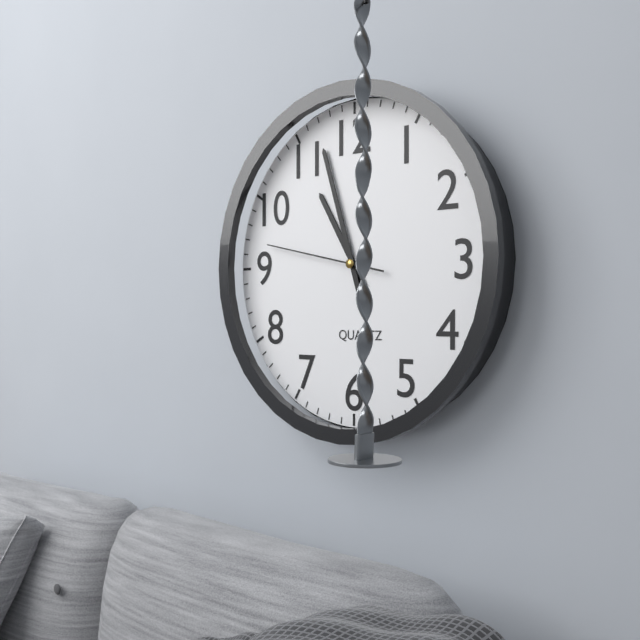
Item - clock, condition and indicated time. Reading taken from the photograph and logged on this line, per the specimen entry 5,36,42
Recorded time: 10,57,47
